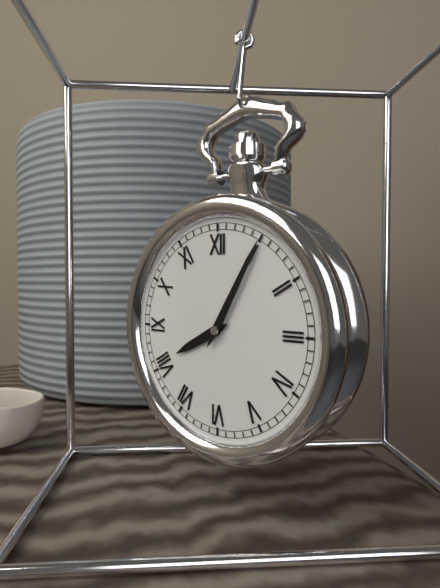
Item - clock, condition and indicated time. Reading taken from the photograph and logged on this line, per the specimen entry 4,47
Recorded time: 8,05
